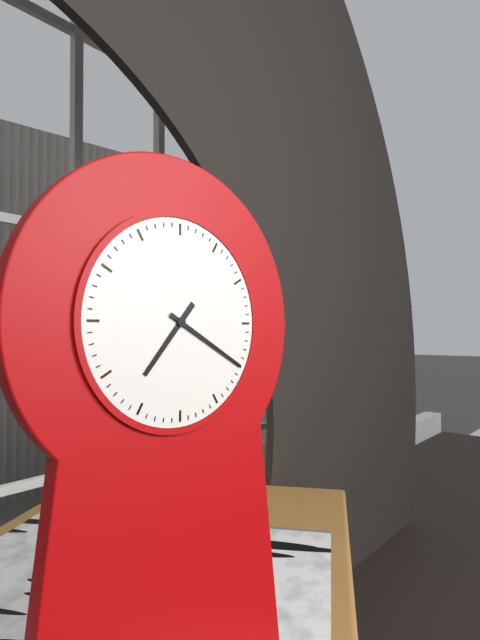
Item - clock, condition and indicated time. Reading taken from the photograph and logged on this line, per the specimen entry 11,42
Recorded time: 7,20
